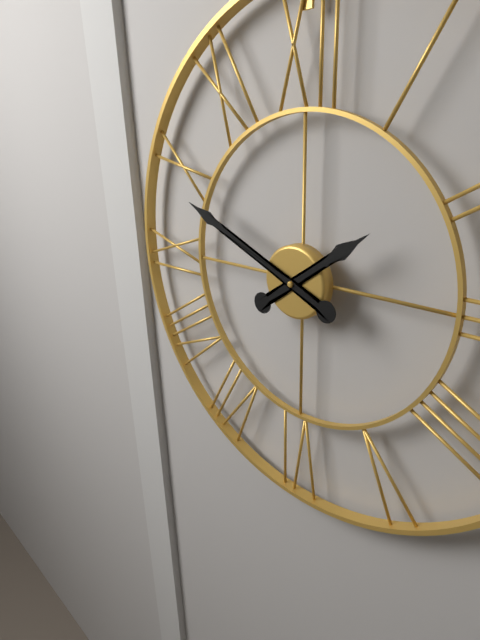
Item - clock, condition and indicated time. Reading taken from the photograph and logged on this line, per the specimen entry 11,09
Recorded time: 1,49
